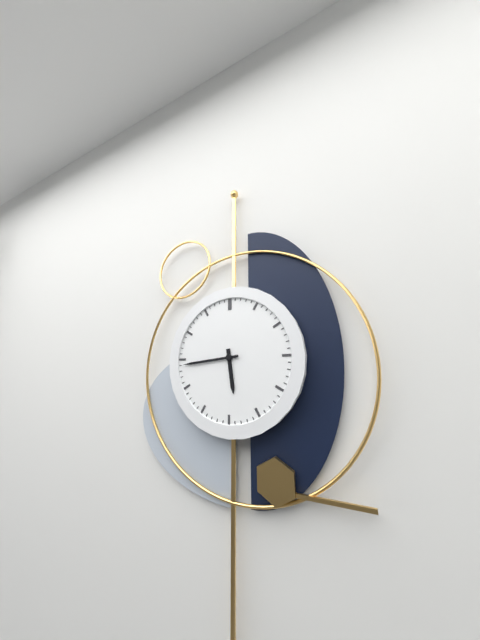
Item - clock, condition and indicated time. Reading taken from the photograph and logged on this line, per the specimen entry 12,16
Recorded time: 5,44
